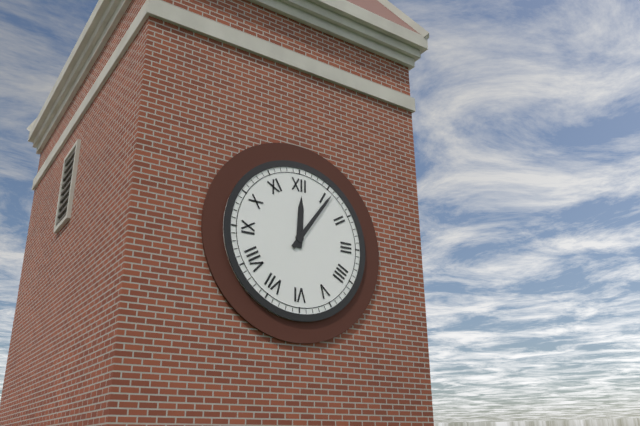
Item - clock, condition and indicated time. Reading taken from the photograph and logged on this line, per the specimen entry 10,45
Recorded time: 12,06
